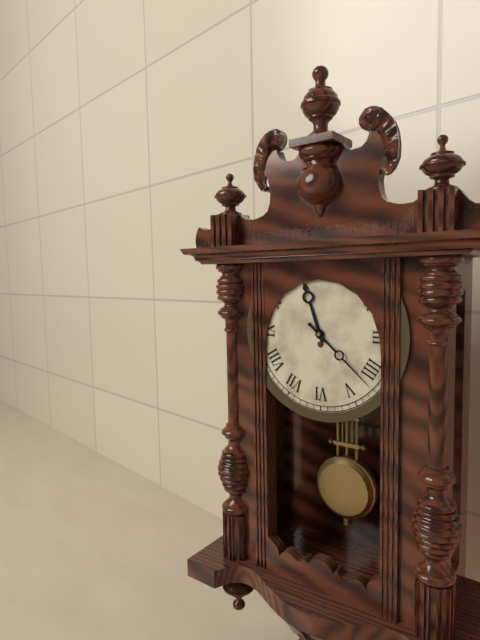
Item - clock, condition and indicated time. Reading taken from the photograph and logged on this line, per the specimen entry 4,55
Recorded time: 11,22
